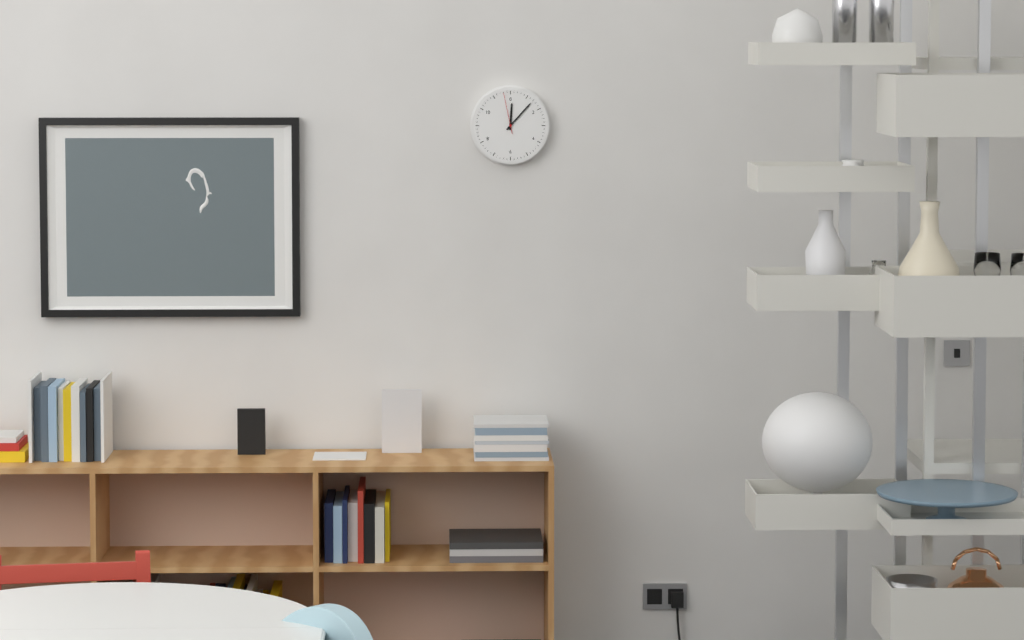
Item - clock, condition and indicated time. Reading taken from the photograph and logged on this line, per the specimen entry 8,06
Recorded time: 12,07
